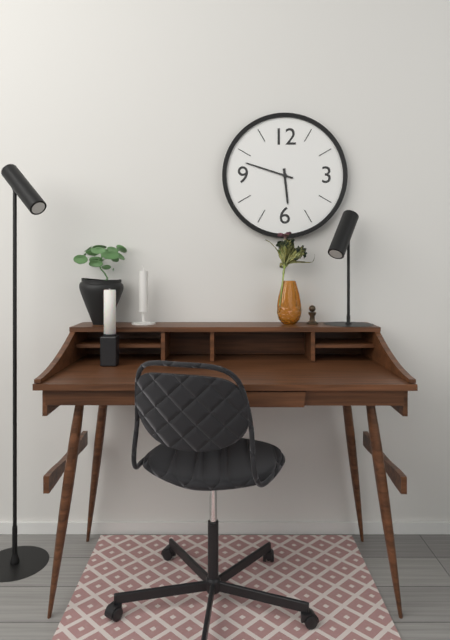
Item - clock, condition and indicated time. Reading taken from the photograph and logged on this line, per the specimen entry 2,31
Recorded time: 5,48
